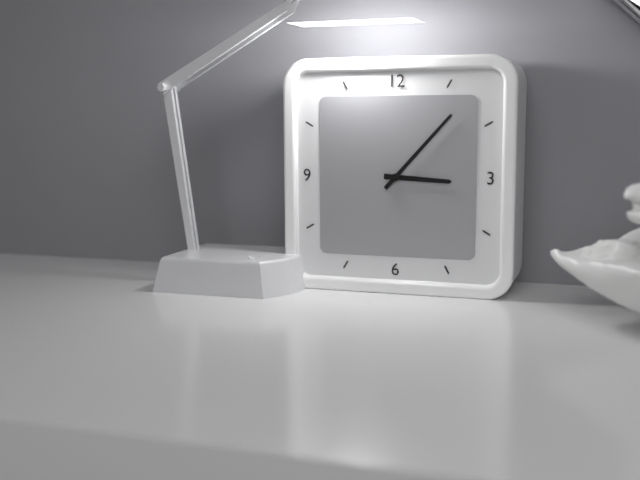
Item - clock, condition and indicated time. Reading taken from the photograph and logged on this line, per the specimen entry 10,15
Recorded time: 3,07
